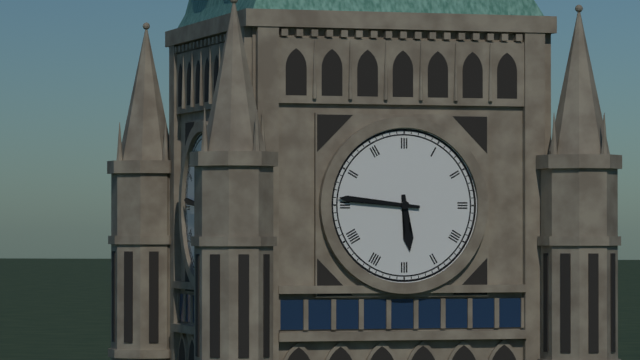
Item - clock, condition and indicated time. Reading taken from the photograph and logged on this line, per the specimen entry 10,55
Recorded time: 5,46
